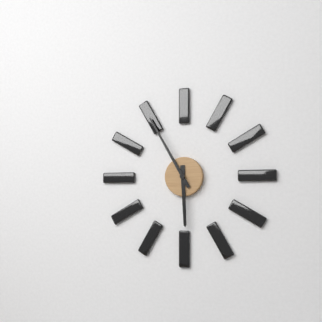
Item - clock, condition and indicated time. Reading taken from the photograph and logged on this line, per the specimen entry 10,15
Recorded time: 5,55
